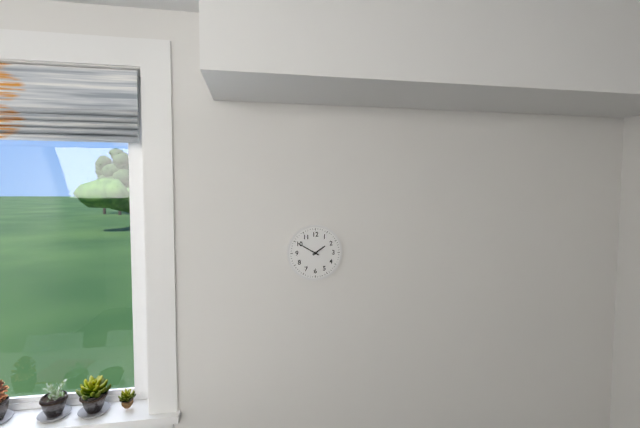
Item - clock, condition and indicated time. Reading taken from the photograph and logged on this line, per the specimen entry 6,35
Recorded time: 1,50
